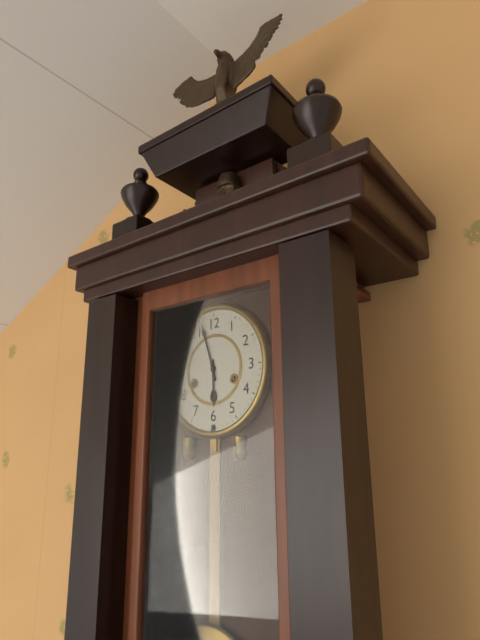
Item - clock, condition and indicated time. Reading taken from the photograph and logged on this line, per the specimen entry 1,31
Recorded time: 5,57
